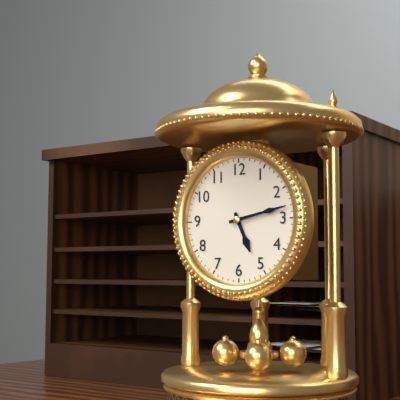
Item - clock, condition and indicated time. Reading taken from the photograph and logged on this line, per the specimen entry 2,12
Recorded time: 5,13
